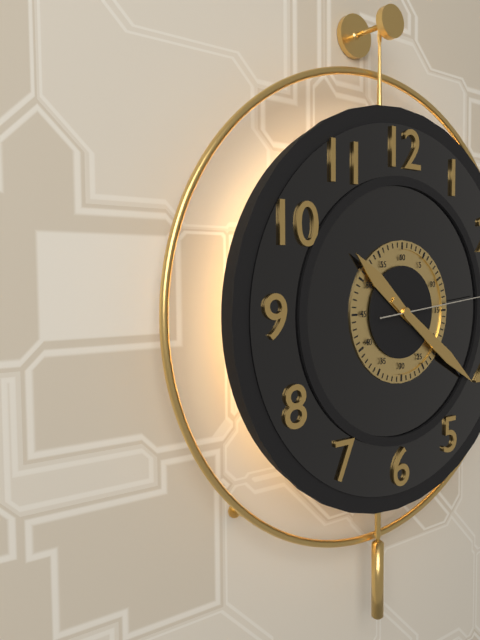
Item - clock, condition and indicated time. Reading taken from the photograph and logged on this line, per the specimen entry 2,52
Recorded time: 10,21
